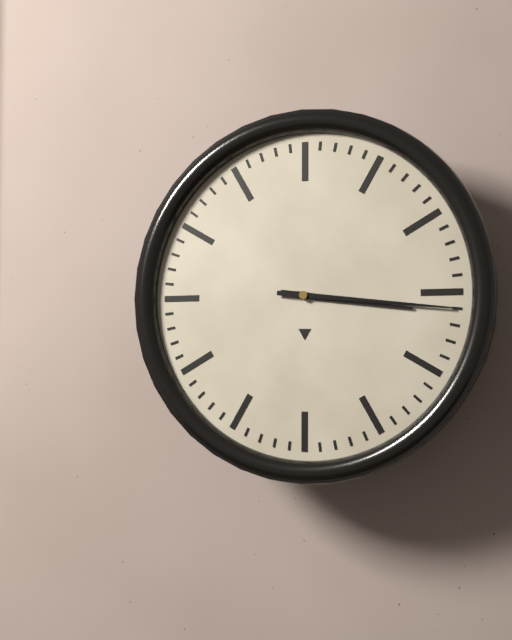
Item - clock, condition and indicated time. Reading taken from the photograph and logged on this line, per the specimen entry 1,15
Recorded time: 3,16
